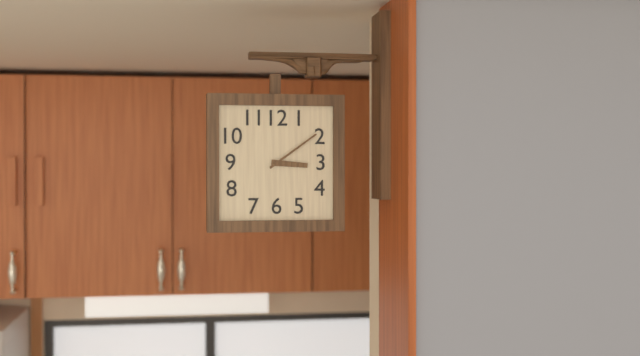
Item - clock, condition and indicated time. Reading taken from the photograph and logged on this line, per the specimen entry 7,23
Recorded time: 3,09
